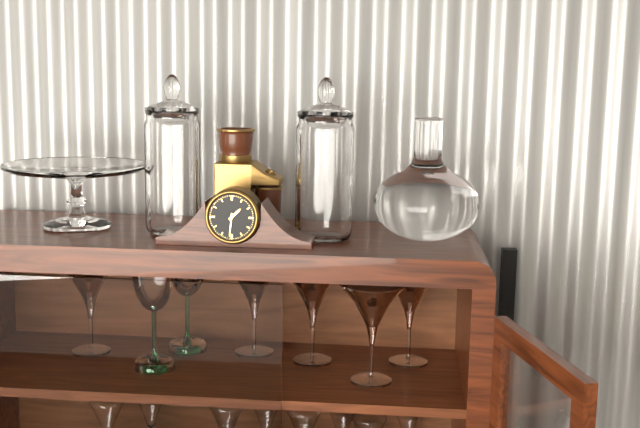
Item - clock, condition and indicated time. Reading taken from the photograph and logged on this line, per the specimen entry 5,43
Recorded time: 1,31
